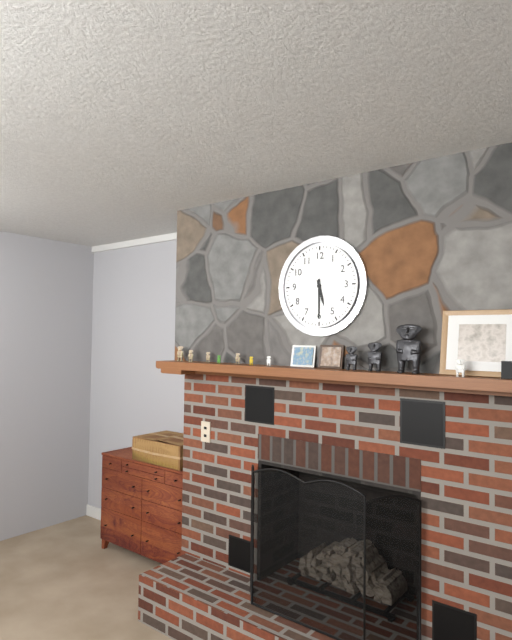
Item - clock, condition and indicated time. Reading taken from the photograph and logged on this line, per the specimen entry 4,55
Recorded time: 5,30
